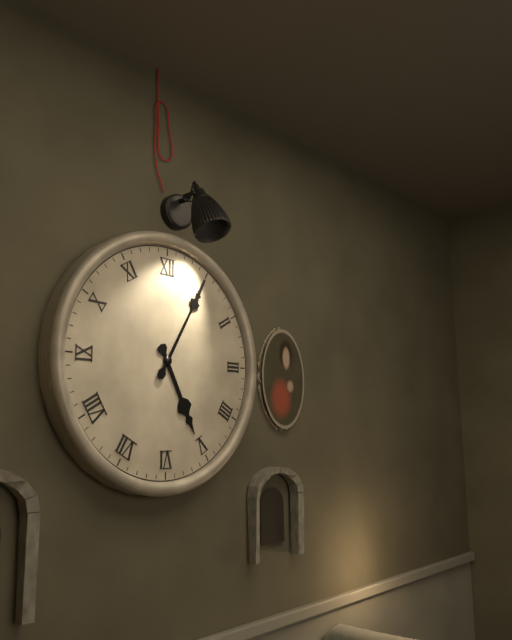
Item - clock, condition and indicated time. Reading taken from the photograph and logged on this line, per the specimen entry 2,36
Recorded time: 5,05
